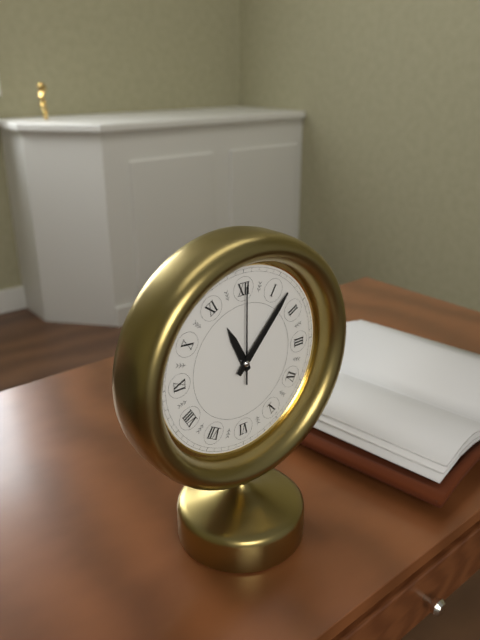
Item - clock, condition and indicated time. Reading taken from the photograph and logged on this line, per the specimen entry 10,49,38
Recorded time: 11,07,00
